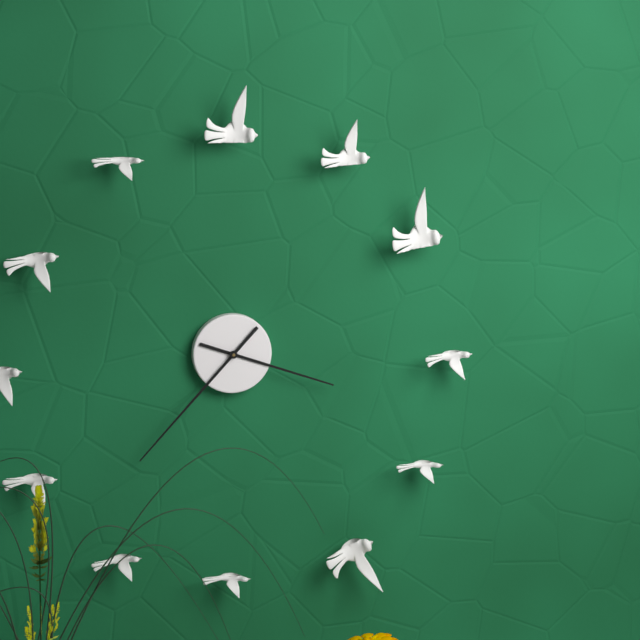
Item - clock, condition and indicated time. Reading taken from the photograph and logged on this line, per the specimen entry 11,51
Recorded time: 3,37
